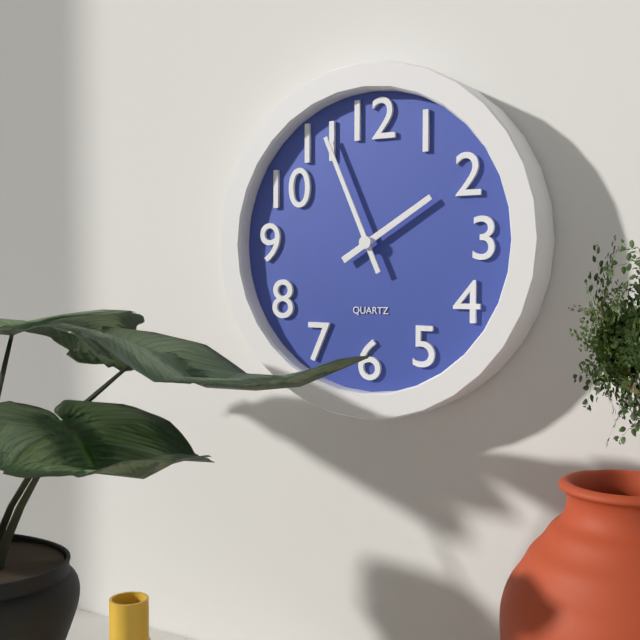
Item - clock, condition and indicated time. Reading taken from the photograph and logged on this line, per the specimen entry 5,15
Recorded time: 1,56
